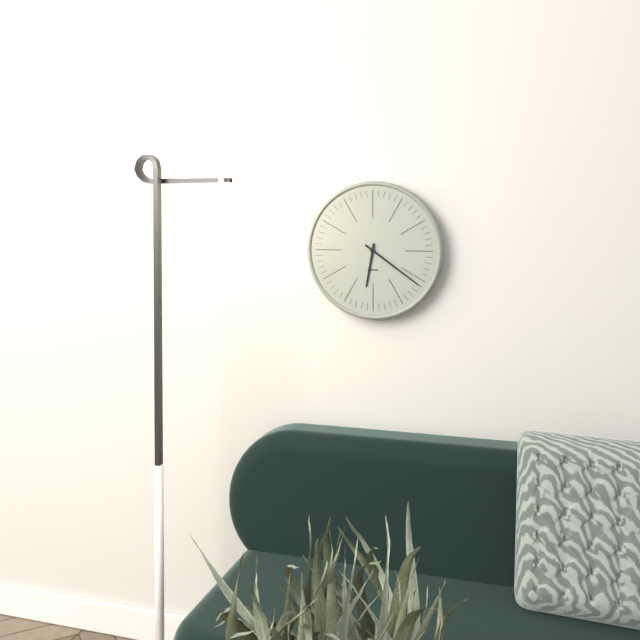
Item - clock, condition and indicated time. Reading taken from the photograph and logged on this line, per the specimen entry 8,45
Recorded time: 6,21
